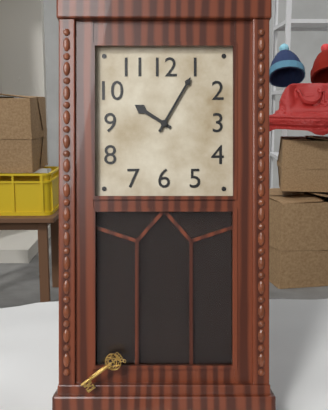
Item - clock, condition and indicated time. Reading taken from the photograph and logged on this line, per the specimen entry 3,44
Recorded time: 10,05
